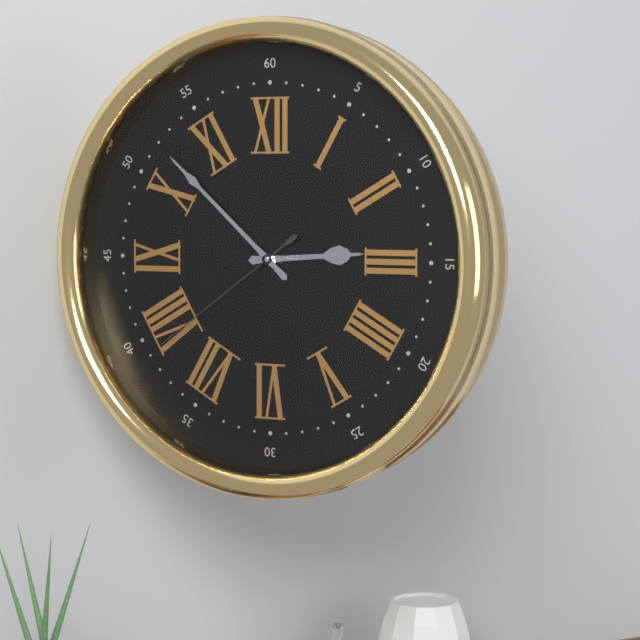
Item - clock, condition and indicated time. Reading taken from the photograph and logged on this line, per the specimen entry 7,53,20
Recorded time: 2,52,39
